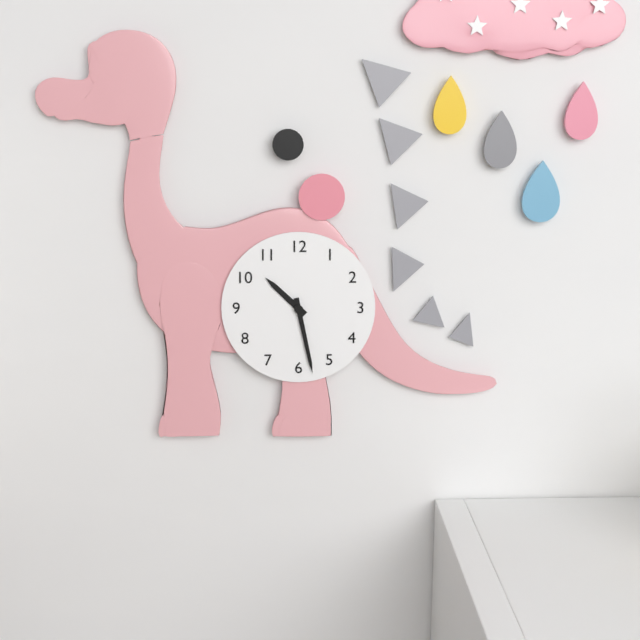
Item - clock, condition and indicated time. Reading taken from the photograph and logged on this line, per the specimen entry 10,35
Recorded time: 10,28
